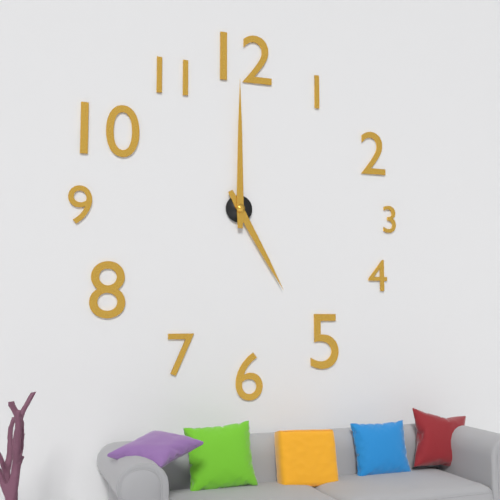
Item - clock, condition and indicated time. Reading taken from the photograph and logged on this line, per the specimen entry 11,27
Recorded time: 5,00
